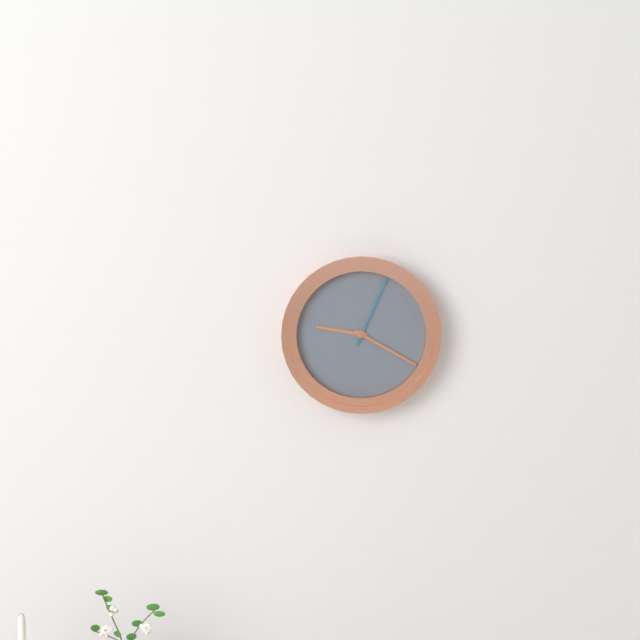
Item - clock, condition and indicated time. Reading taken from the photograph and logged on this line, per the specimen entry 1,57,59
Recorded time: 9,20,04
